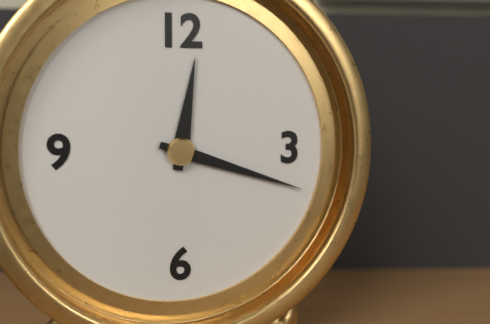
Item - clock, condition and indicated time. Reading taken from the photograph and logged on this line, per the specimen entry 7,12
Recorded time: 12,18
